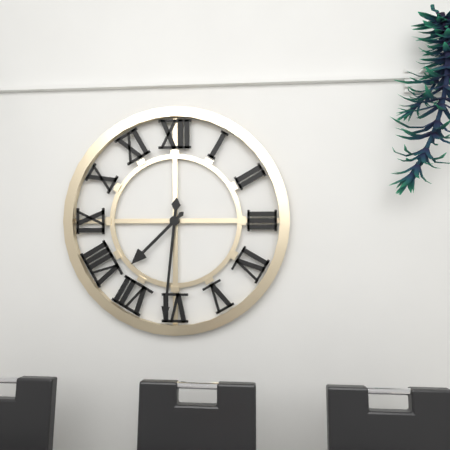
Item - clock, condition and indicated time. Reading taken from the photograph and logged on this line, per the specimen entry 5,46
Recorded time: 7,31
